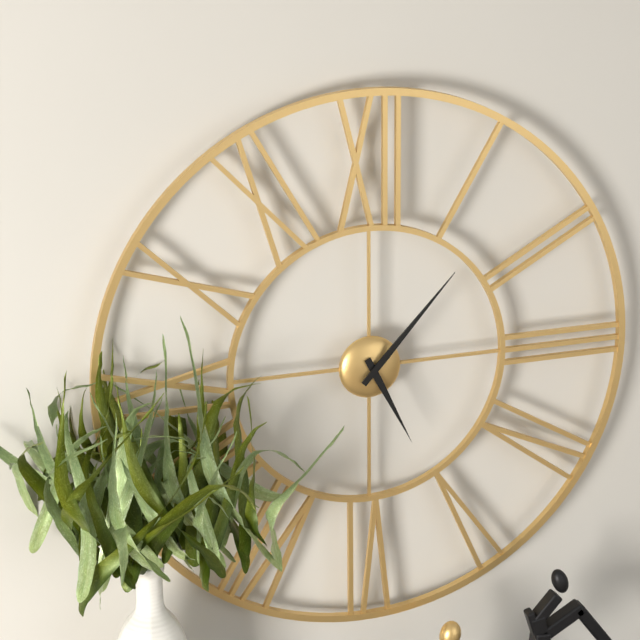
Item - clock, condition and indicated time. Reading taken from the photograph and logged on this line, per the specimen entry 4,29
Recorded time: 5,07
